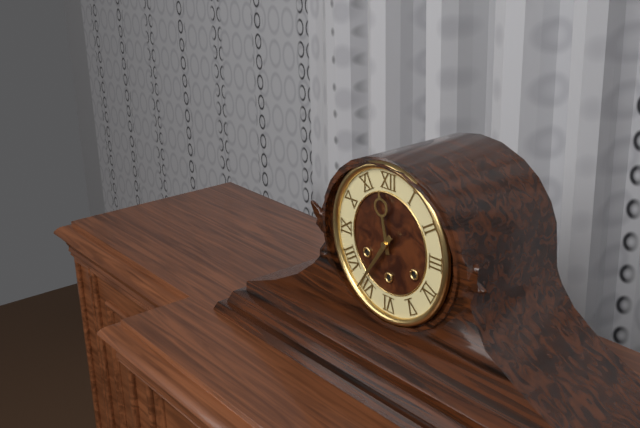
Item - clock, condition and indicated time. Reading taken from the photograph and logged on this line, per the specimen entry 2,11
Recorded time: 11,36
